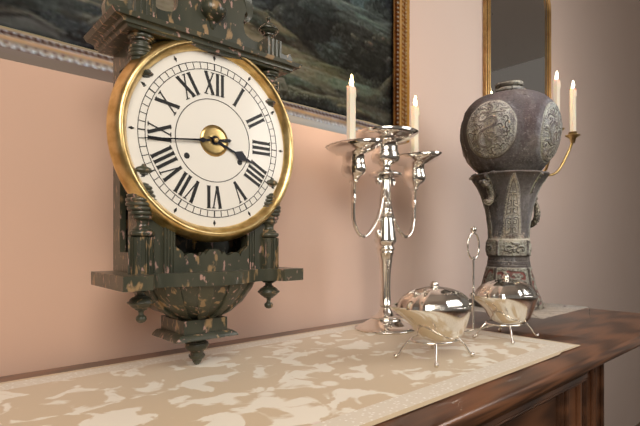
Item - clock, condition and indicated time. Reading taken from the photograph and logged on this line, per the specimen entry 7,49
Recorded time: 3,44
